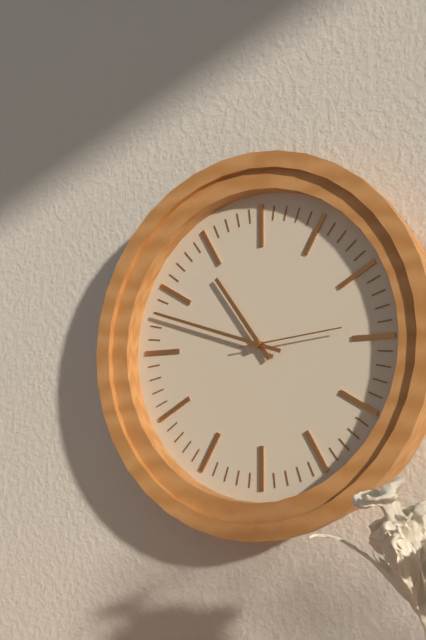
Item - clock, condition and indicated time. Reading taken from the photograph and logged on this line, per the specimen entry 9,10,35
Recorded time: 10,48,14
